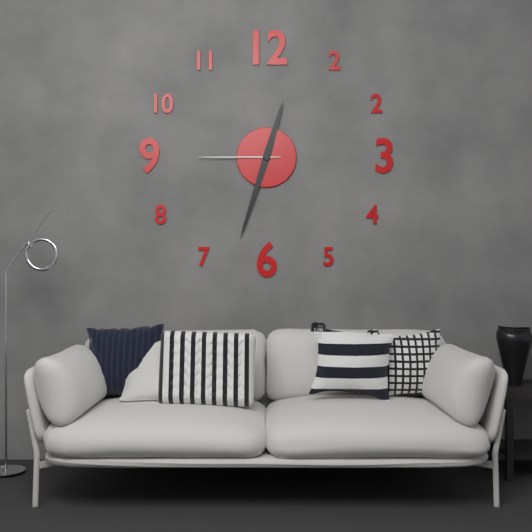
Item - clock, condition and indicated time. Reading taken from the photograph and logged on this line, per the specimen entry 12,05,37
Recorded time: 12,33,45
